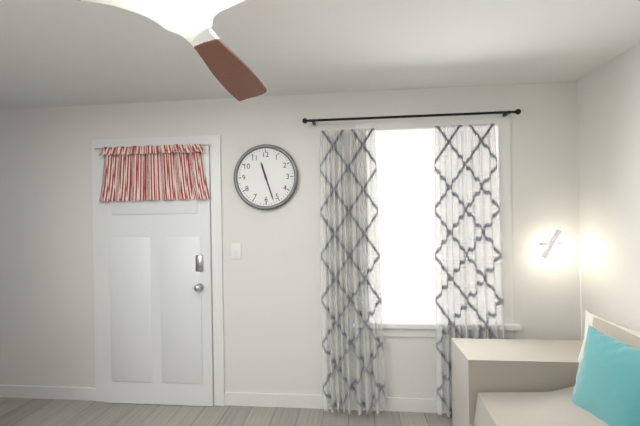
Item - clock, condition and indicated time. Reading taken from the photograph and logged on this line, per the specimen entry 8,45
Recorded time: 11,27
